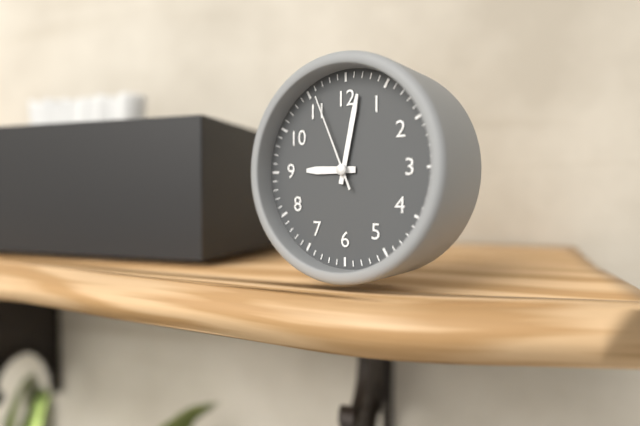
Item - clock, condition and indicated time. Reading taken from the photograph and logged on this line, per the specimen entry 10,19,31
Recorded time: 9,02,56
